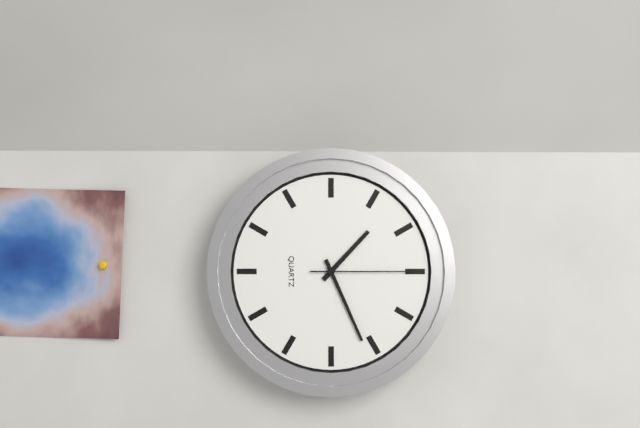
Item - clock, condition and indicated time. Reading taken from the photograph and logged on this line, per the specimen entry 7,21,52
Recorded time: 1,26,15
